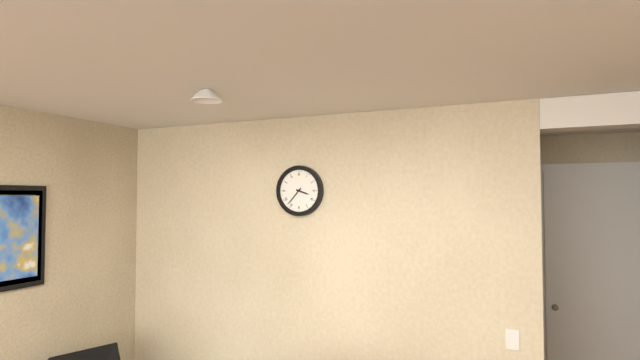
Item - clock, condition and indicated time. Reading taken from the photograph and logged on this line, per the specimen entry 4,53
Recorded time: 3,37
